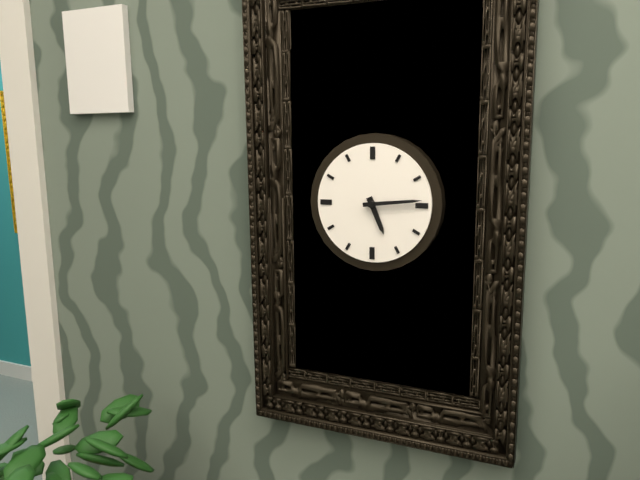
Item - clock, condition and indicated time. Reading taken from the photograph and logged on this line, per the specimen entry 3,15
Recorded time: 5,14
